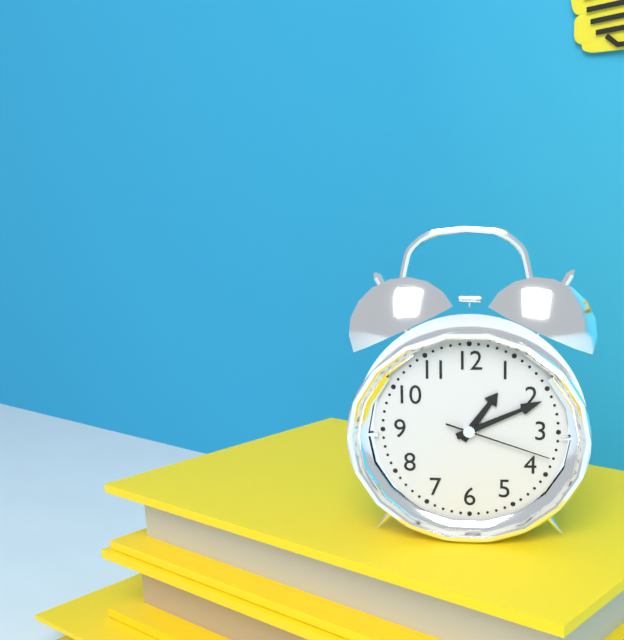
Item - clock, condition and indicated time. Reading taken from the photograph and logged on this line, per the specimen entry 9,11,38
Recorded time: 1,11,18
